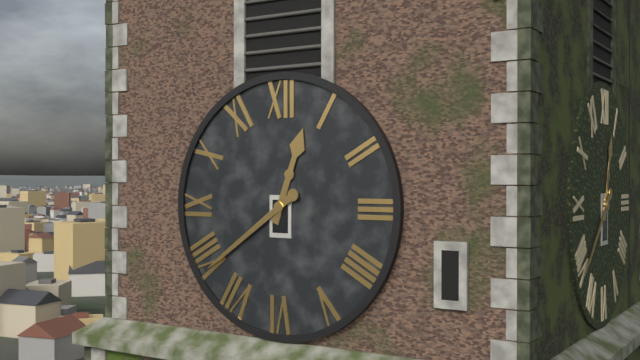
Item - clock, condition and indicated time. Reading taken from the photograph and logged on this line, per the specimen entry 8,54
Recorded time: 12,39
